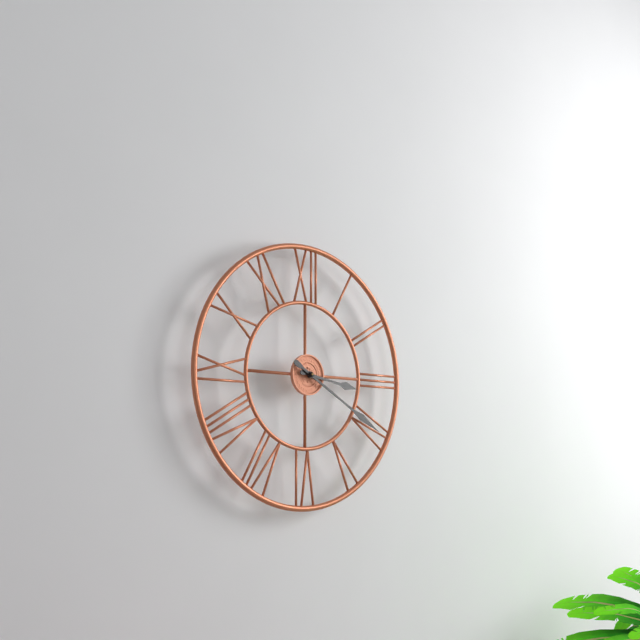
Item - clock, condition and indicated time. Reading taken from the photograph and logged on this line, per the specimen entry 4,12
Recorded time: 3,20
